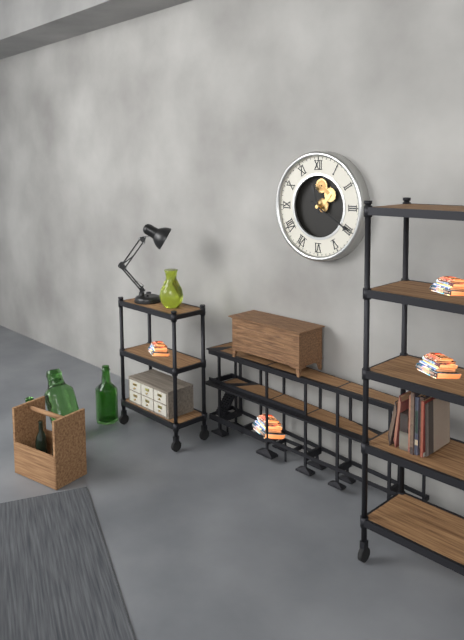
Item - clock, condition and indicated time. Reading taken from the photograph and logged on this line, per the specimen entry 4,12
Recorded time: 11,20
